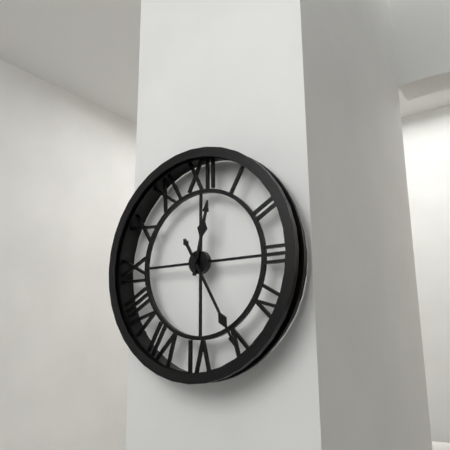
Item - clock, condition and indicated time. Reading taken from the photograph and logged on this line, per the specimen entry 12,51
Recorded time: 12,25
